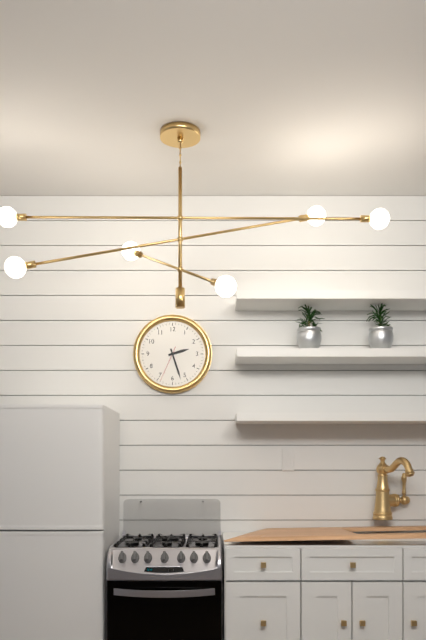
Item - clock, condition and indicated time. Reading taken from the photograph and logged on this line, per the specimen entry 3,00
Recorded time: 2,27
